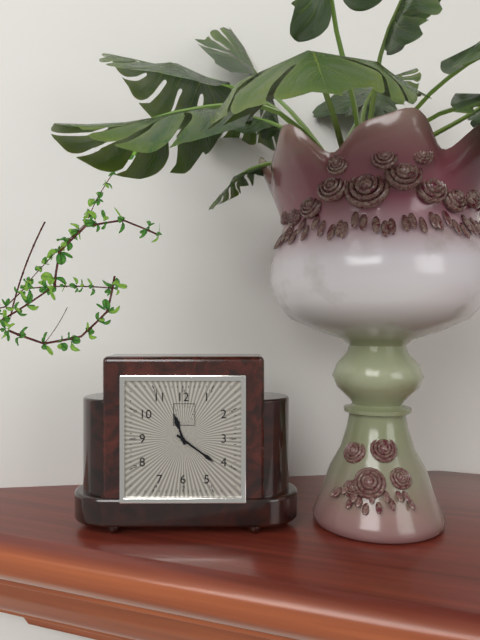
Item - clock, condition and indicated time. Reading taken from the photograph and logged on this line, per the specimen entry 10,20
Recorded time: 11,21
